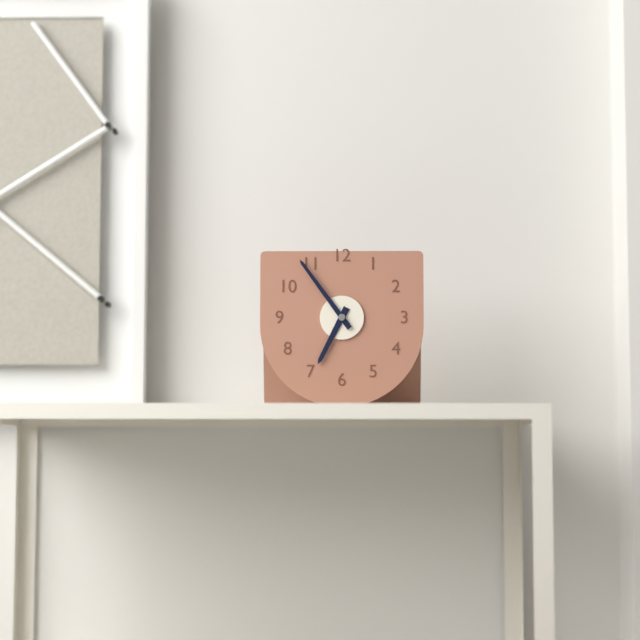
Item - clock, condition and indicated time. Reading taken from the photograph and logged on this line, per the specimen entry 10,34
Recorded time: 6,54
